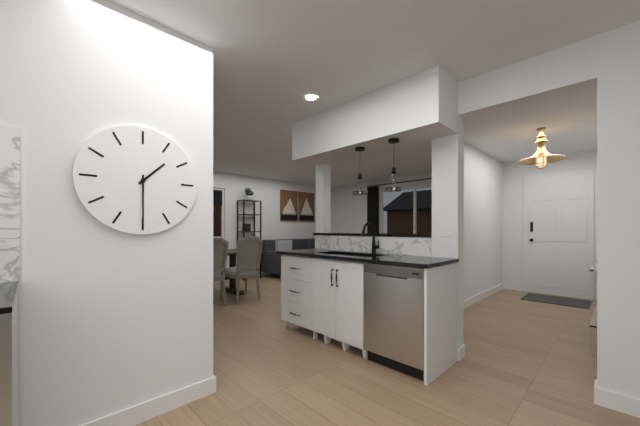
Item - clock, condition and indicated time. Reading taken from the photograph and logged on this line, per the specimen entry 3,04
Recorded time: 1,30
